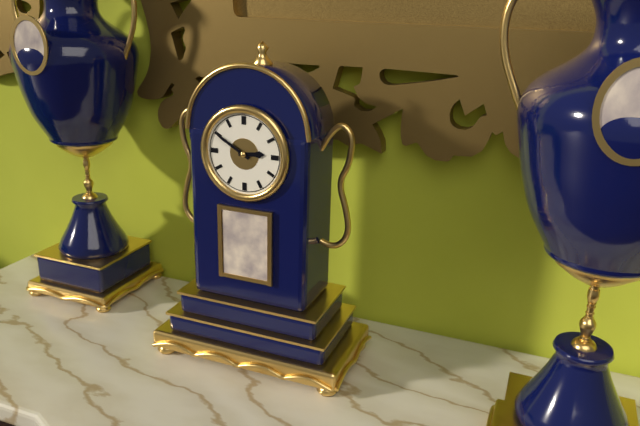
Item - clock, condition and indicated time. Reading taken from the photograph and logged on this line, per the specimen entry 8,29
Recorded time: 2,50
